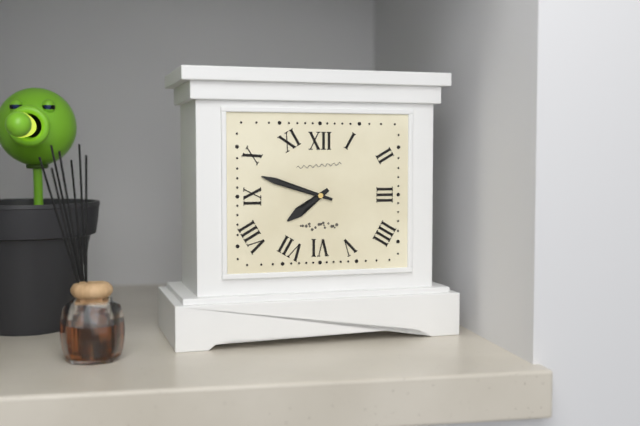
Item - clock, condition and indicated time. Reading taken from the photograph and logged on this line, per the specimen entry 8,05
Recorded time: 7,48
